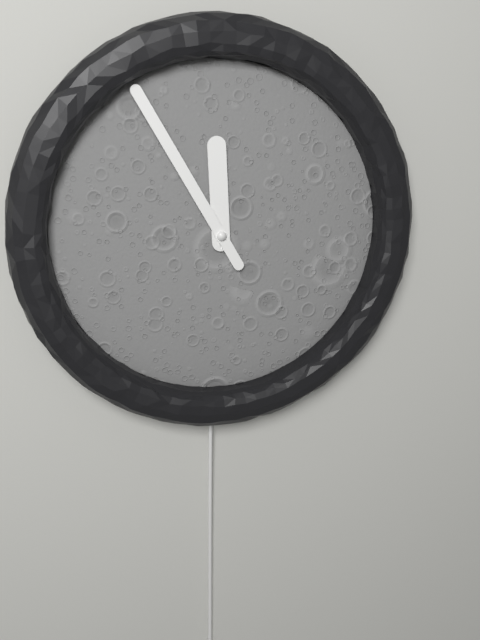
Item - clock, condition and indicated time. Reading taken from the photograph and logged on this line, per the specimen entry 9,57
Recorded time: 11,55
